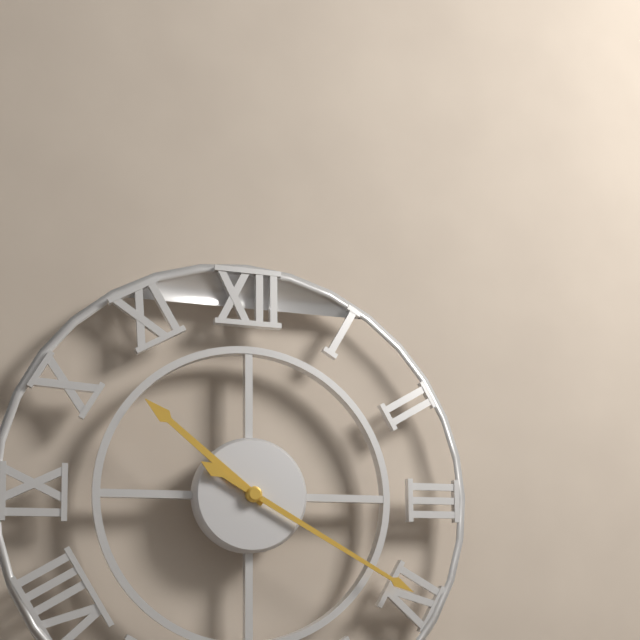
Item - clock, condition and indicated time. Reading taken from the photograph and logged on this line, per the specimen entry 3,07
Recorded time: 10,20
